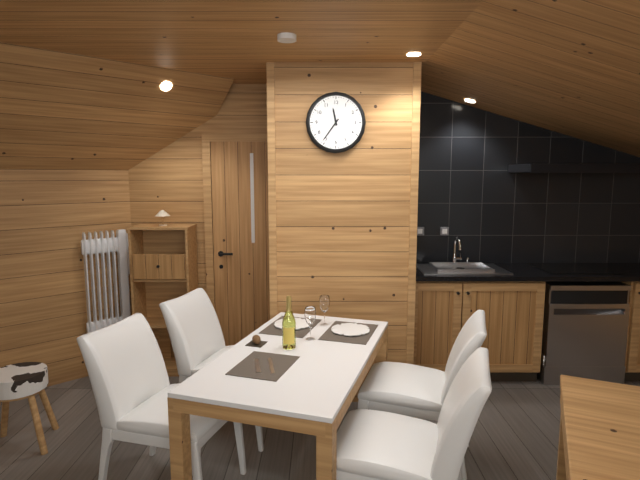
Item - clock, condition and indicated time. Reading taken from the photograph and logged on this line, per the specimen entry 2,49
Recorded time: 11,36
